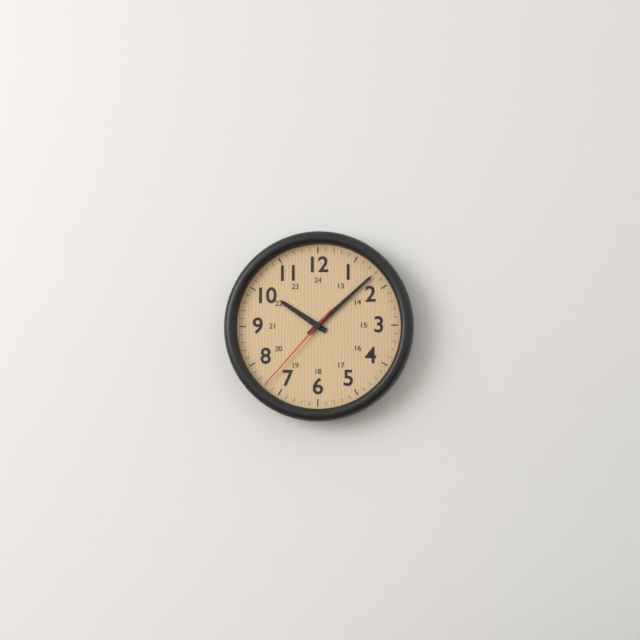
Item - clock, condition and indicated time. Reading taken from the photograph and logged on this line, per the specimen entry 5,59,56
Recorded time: 10,08,37
